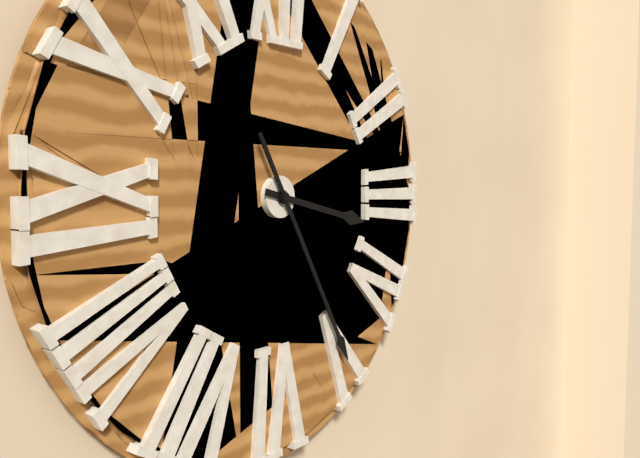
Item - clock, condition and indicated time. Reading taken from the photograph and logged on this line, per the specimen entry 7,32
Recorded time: 3,25
